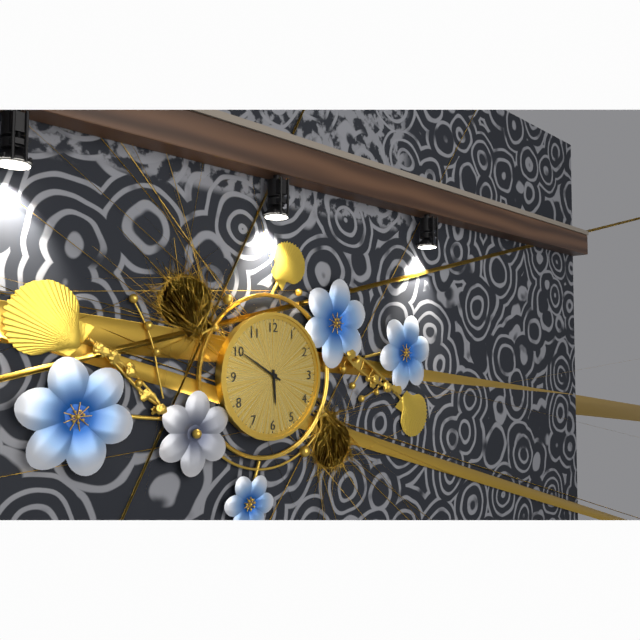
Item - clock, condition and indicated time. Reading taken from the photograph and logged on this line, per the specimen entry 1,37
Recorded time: 5,50
